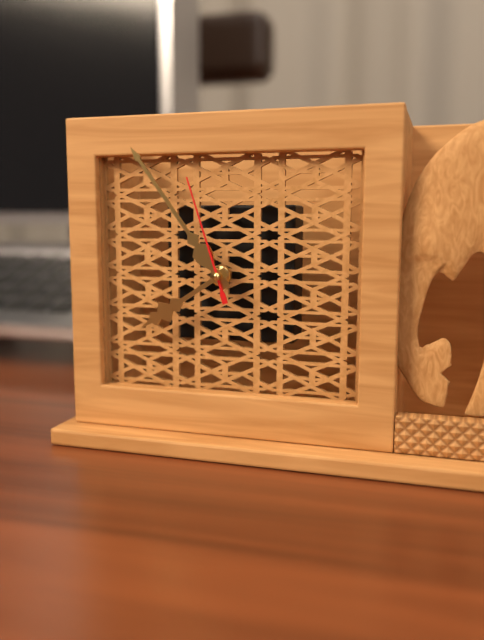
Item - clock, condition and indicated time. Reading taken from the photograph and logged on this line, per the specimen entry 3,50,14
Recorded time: 7,54,57
